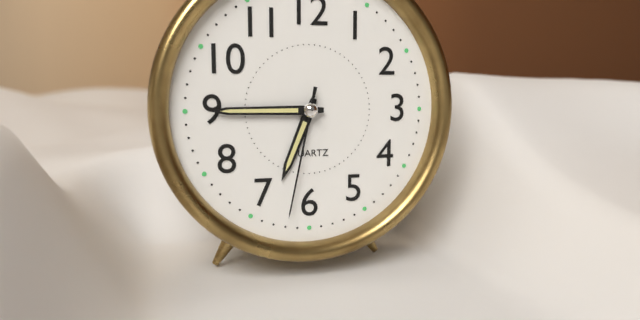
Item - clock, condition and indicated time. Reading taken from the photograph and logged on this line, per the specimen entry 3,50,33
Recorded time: 6,45,32
